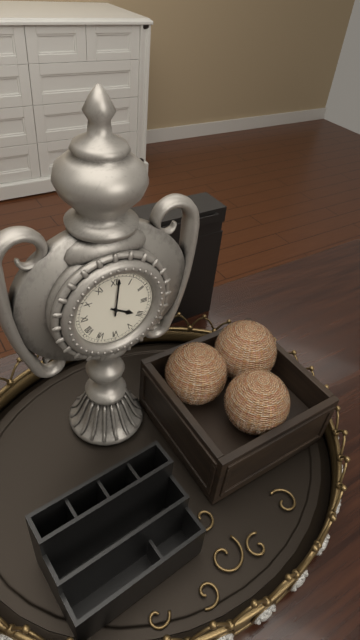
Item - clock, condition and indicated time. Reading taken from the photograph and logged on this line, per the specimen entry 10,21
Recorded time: 4,01
